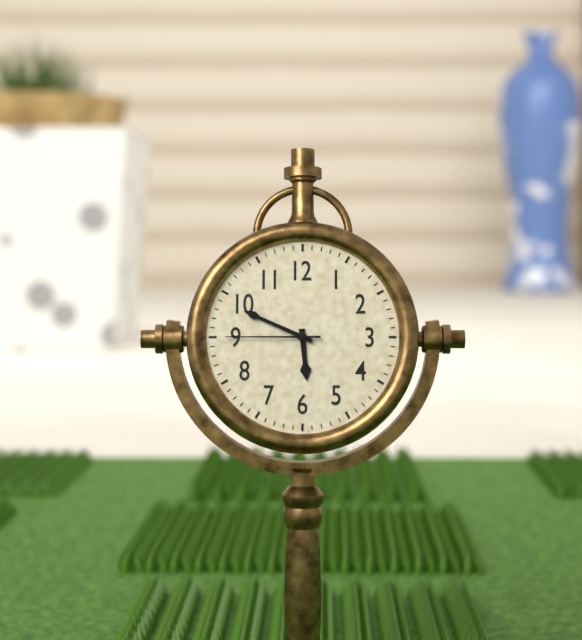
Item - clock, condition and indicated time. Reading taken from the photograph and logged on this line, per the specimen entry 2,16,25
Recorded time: 5,49,45
